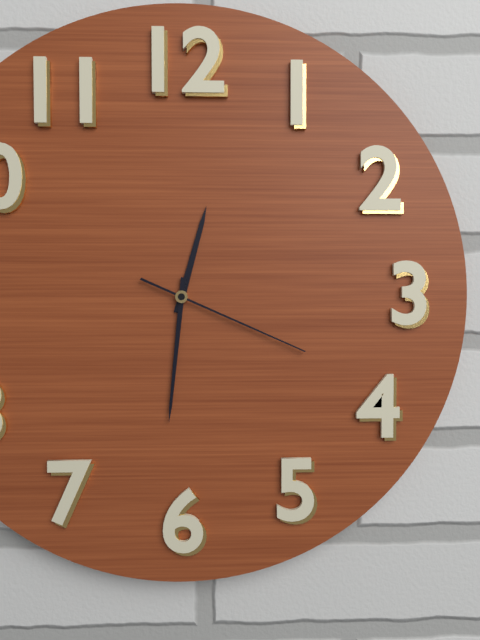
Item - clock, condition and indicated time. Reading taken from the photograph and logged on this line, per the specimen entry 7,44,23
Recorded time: 12,31,19
